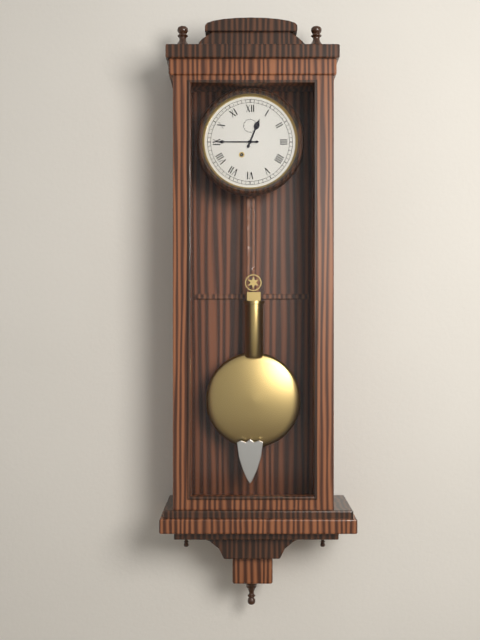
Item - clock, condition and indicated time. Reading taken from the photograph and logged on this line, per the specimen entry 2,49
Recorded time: 12,45
